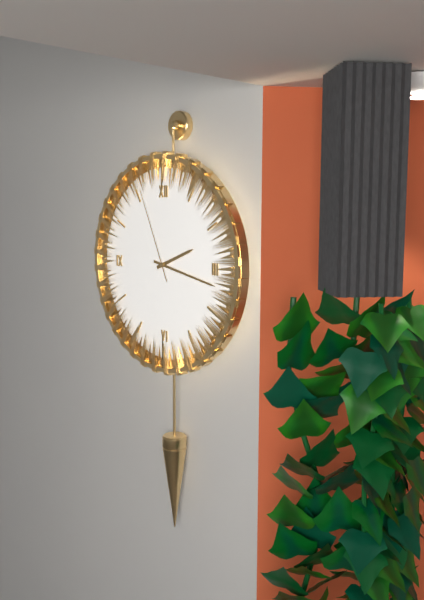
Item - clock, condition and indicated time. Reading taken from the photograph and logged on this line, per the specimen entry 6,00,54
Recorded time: 2,17,56
